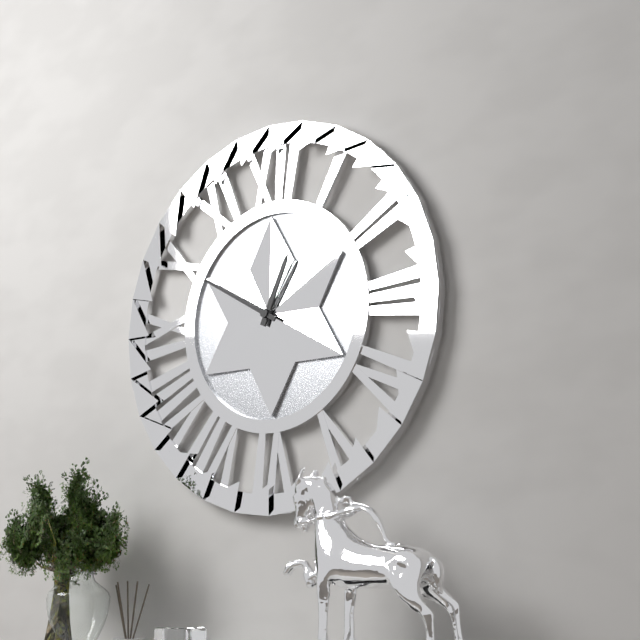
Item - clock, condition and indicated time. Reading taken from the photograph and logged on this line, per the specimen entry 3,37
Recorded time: 12,50
